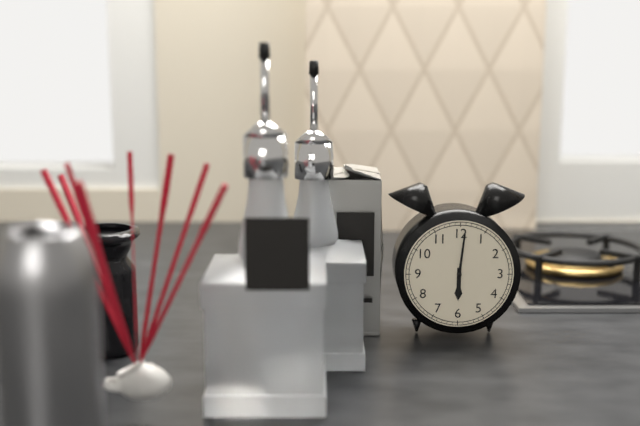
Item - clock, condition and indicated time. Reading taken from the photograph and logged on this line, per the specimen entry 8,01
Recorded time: 6,01
